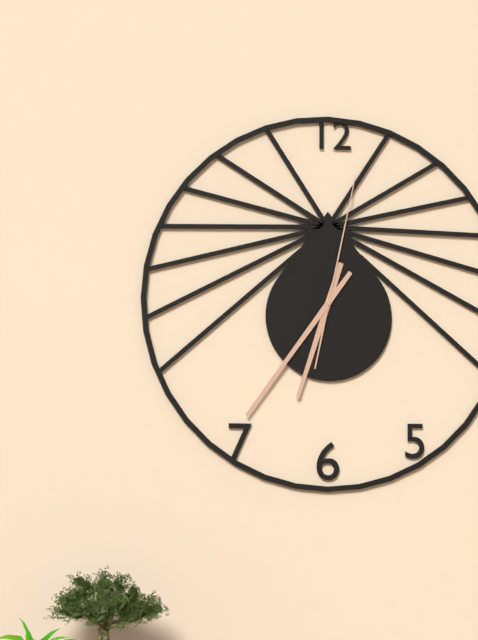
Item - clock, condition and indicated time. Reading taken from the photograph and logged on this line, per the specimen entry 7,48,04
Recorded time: 6,36,02
